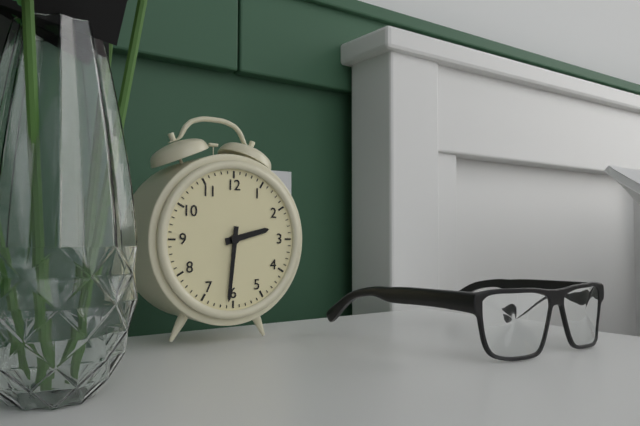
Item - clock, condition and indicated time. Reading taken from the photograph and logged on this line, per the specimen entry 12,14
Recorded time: 2,31
